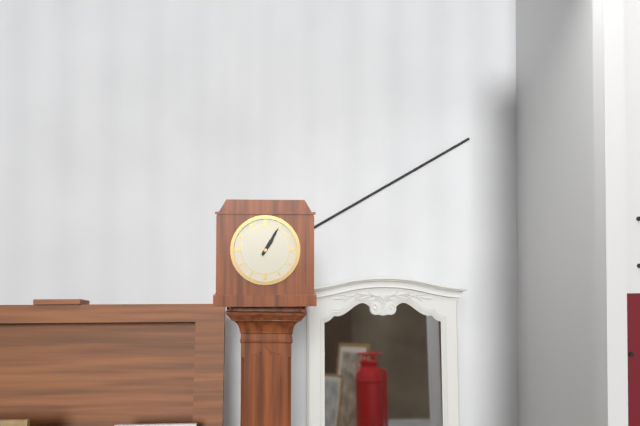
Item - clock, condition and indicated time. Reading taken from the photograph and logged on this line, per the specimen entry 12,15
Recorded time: 1,05
